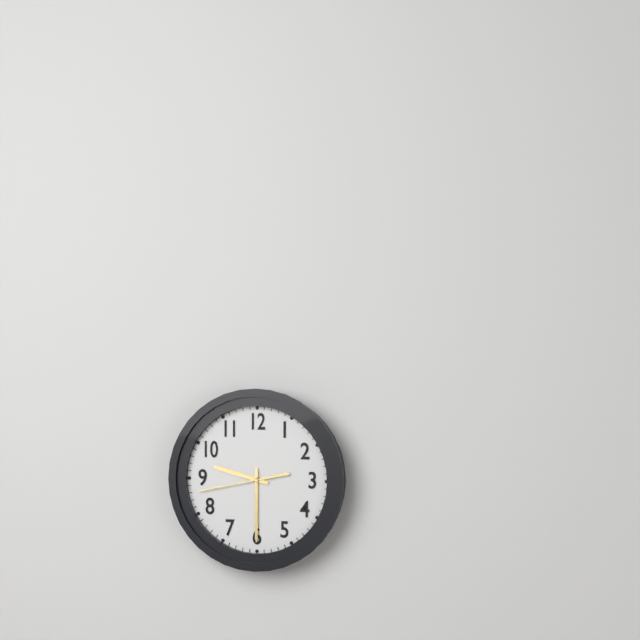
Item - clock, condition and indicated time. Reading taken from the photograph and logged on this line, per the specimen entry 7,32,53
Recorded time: 9,30,43
